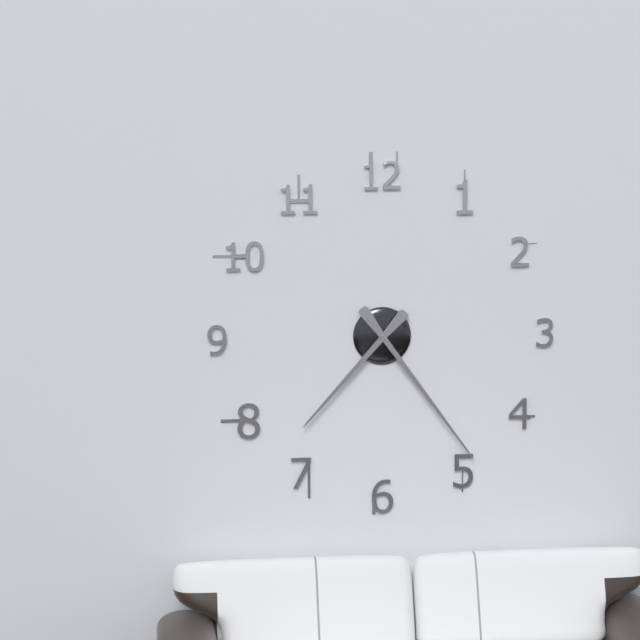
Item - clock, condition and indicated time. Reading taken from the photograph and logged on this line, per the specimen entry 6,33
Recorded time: 7,24
